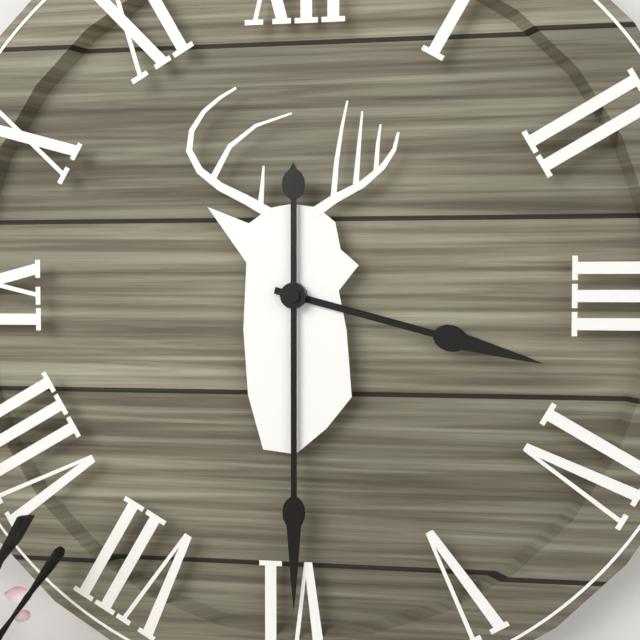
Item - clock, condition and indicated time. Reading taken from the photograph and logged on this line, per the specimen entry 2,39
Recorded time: 3,30
